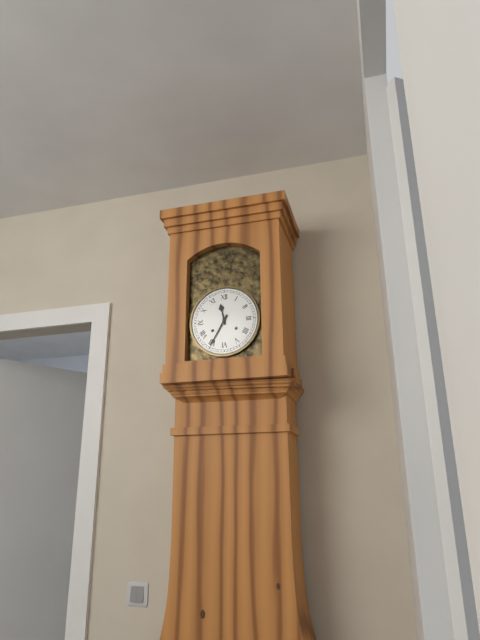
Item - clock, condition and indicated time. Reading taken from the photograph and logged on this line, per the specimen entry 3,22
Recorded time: 11,35
